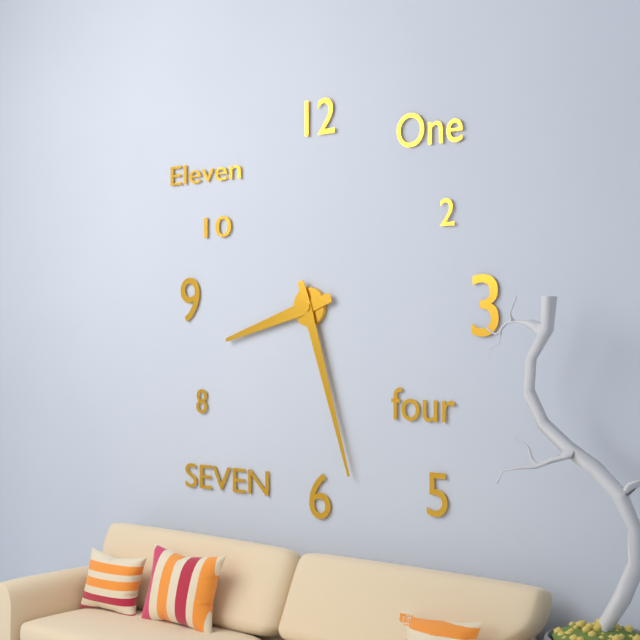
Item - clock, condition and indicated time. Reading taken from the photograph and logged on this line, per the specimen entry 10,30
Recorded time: 8,27
